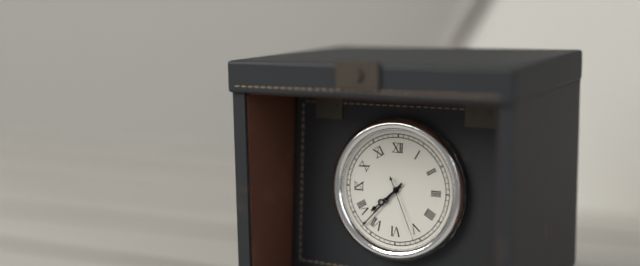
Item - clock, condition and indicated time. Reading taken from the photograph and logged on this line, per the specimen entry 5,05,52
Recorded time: 7,37,26
